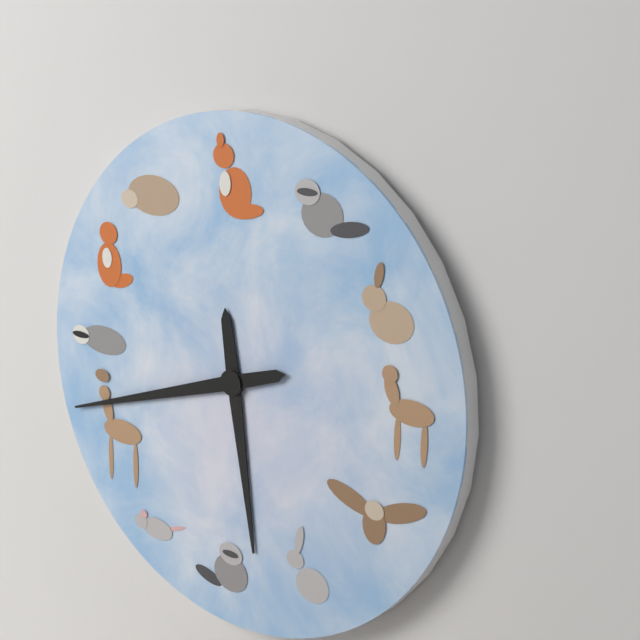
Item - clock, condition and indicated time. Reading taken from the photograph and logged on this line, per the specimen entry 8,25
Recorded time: 5,42
